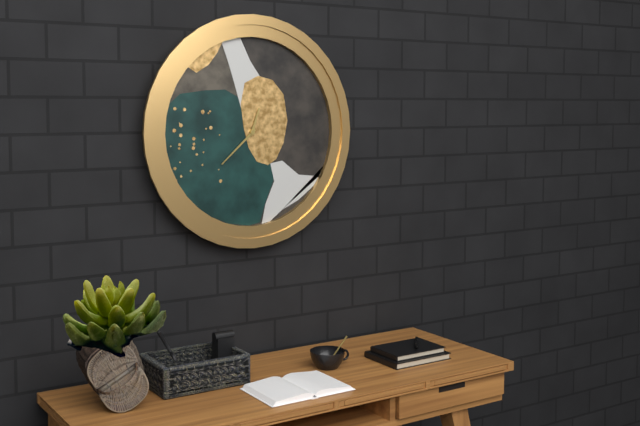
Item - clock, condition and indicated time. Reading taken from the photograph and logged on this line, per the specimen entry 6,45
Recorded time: 12,38
